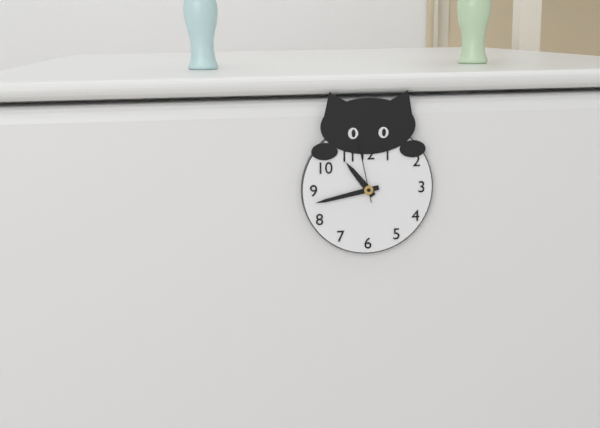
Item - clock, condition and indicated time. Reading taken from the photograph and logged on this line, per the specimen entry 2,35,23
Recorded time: 10,43,58
